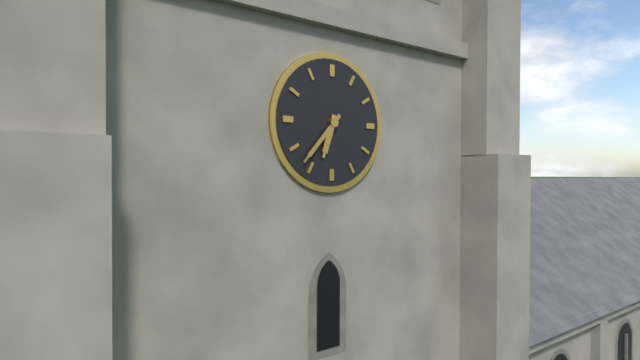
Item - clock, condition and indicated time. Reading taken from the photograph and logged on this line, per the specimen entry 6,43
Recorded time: 6,37
